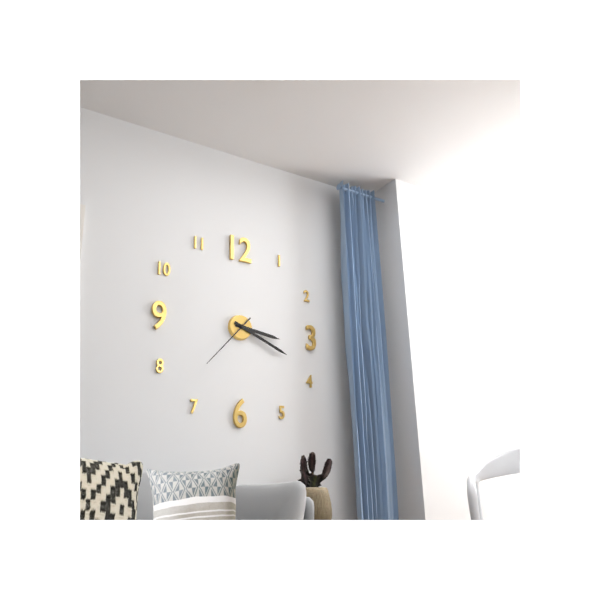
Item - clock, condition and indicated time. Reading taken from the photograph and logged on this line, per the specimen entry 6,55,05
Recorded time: 3,19,37
